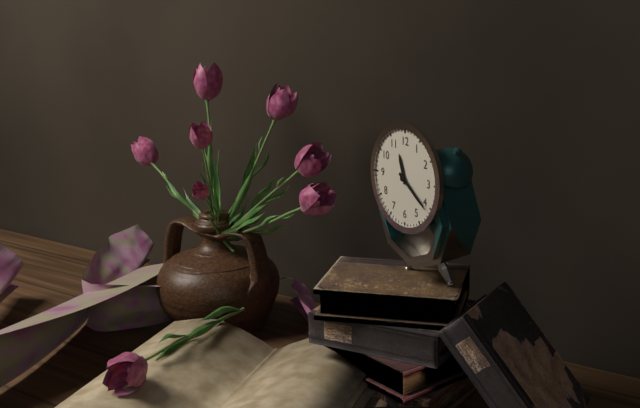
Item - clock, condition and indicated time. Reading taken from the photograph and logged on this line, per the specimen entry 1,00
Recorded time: 11,21
